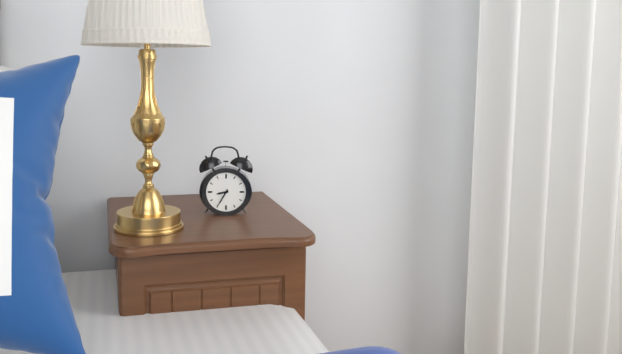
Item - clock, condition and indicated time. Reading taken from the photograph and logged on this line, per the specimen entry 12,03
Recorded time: 8,35
